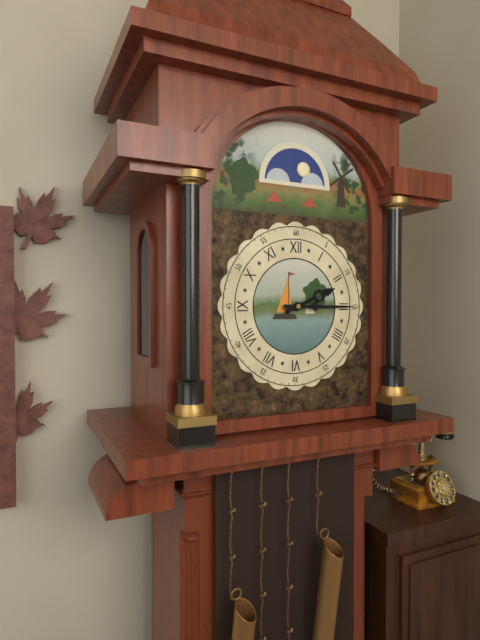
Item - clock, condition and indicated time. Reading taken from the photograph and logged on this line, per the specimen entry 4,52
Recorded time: 2,15
